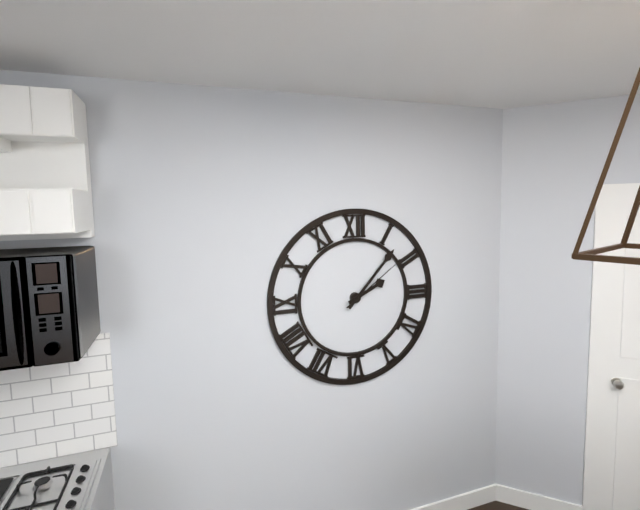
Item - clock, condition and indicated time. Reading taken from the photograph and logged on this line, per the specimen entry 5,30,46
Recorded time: 2,07,09
